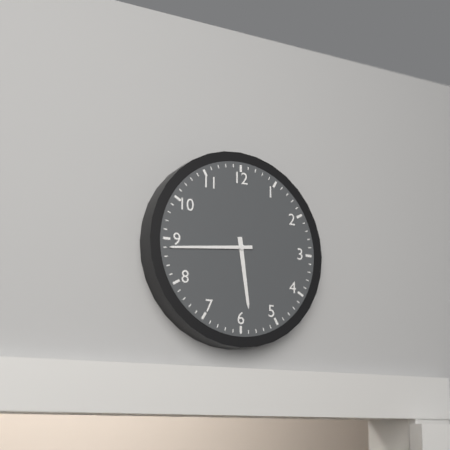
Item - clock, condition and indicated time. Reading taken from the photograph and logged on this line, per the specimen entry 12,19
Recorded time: 5,44
